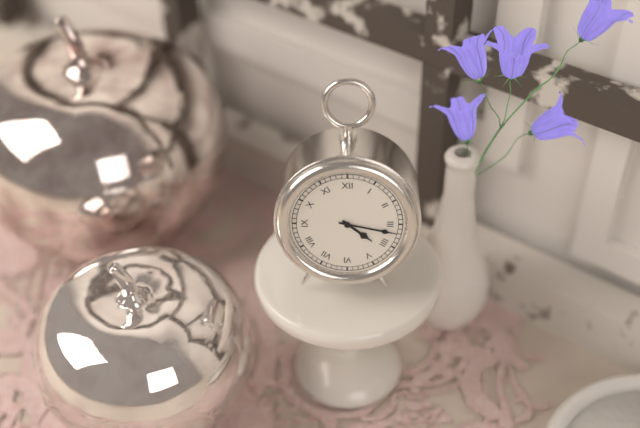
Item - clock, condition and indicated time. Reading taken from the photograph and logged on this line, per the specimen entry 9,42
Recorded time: 4,17
